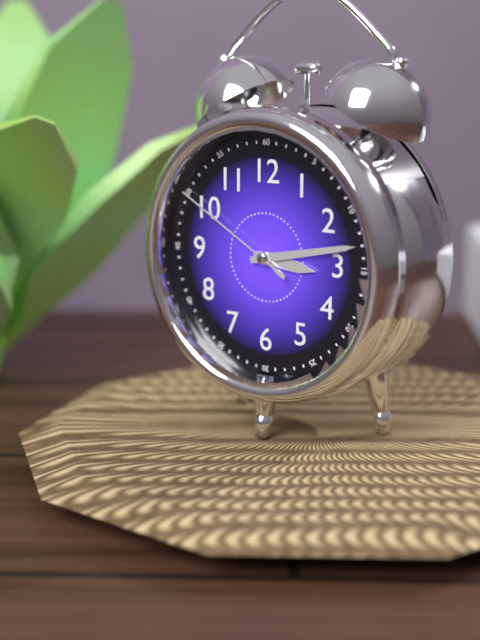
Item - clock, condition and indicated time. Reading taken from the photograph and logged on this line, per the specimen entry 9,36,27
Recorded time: 3,13,50
